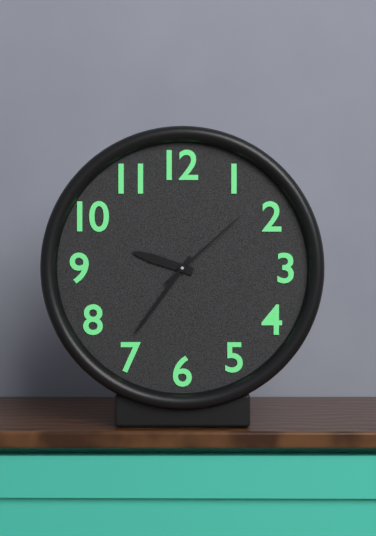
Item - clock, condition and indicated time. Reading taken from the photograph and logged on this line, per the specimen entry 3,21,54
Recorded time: 9,36,08
